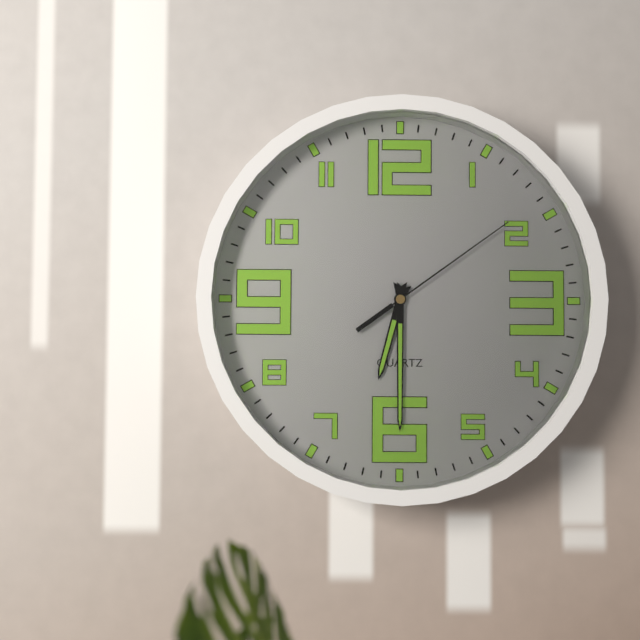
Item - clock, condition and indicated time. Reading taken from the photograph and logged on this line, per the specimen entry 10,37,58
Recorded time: 6,30,09
